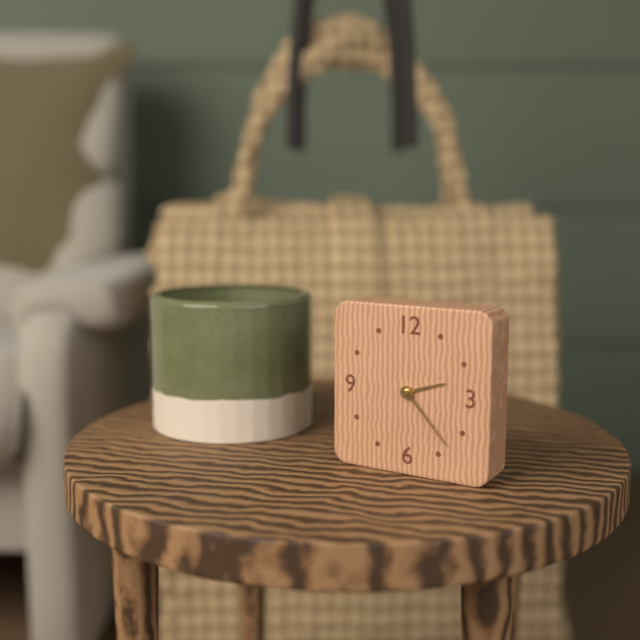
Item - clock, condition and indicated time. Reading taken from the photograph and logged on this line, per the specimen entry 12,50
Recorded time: 2,23
